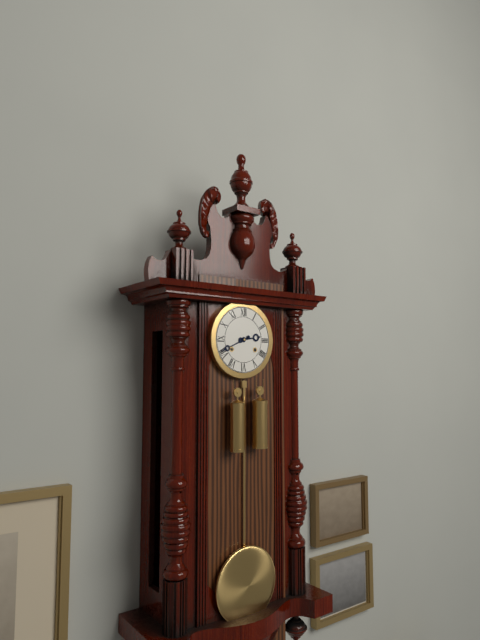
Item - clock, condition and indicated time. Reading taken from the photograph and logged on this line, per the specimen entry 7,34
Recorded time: 2,41
